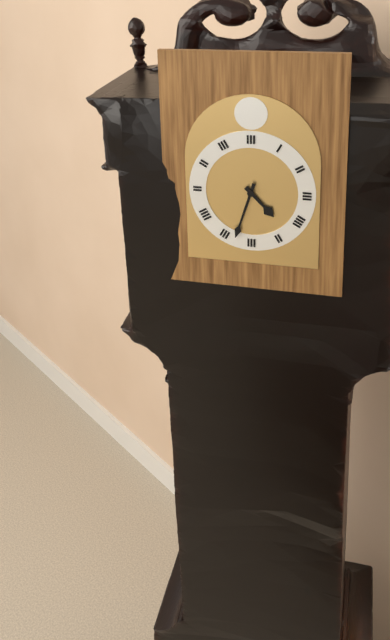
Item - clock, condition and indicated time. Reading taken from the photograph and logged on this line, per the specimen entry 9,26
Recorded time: 4,33
